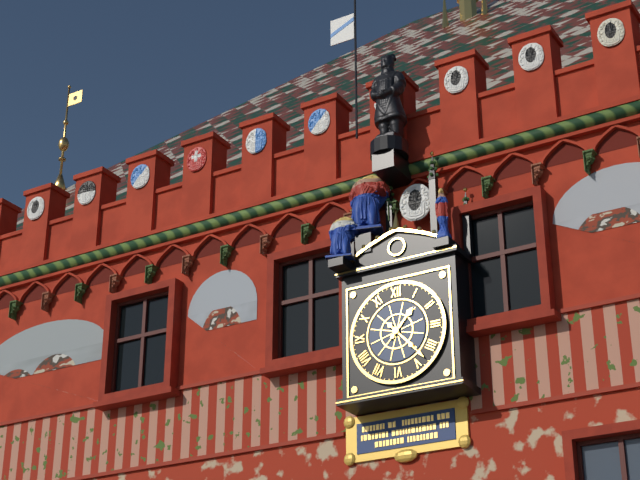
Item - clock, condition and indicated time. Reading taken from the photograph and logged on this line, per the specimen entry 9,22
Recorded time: 1,23
